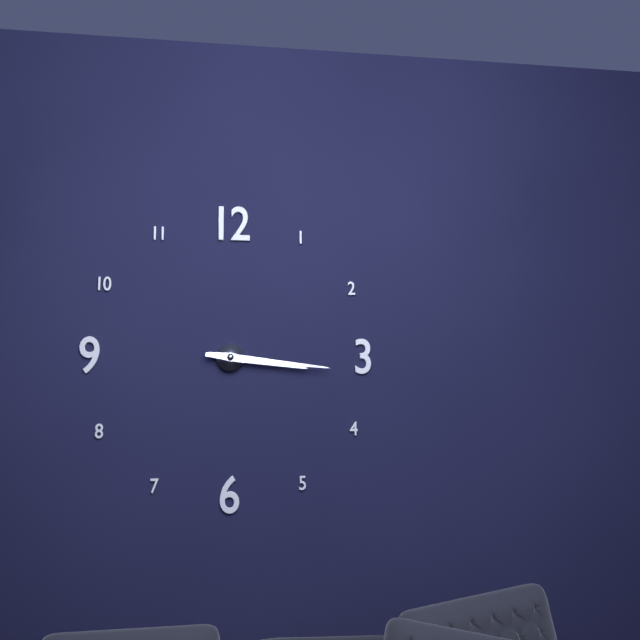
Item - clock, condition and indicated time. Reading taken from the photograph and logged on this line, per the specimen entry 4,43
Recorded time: 3,16
